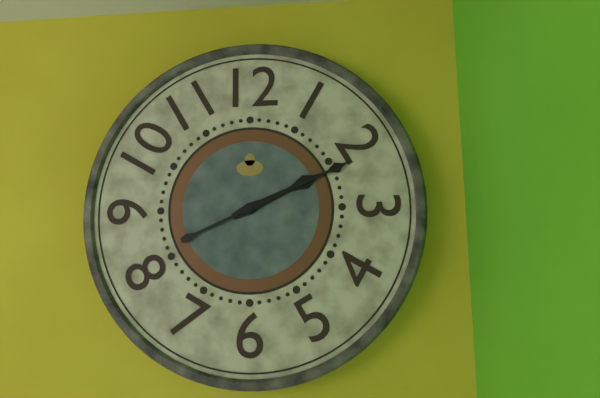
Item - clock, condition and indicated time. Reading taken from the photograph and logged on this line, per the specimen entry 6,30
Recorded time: 2,11
